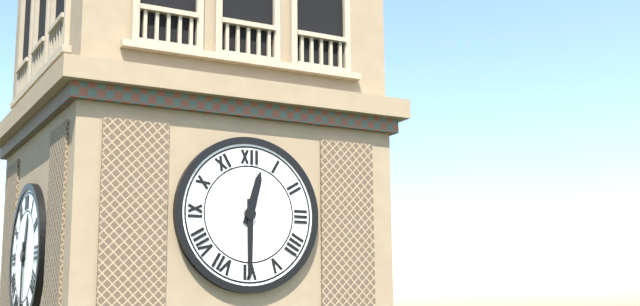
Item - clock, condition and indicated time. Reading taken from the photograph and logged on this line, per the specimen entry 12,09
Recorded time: 12,30
